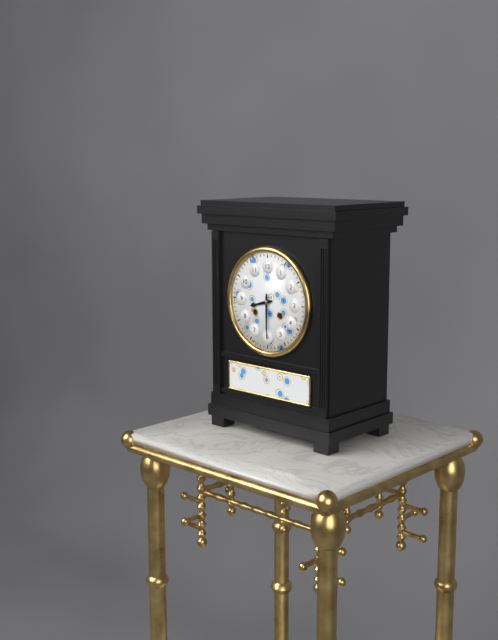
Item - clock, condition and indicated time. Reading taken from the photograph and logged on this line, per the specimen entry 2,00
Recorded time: 8,30
